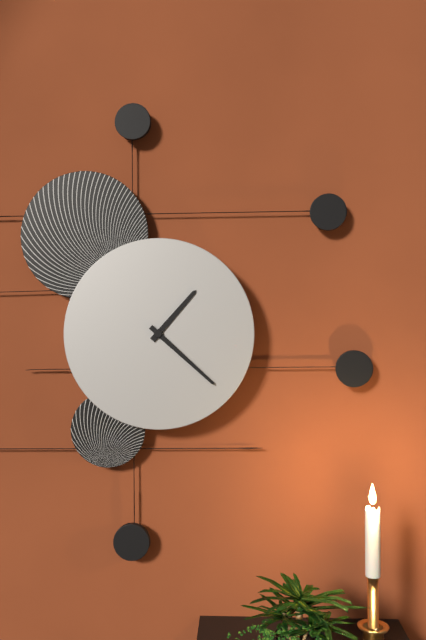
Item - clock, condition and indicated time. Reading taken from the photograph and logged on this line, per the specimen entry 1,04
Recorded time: 1,22
